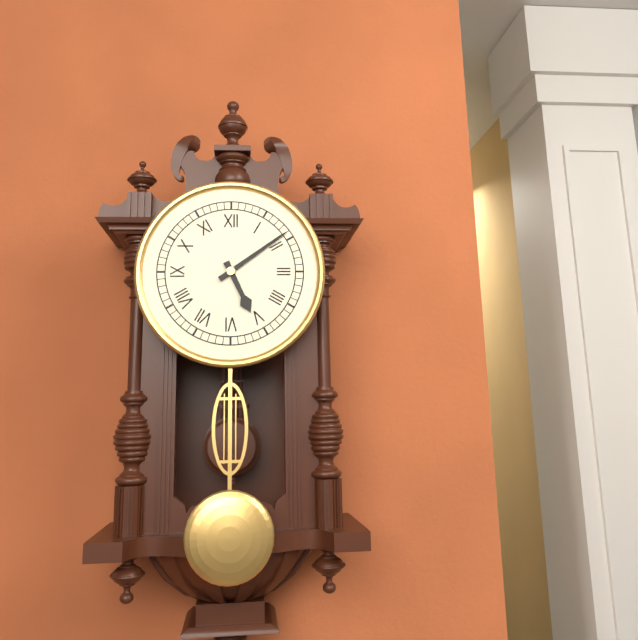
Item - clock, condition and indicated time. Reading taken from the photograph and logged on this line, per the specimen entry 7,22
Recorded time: 5,09
